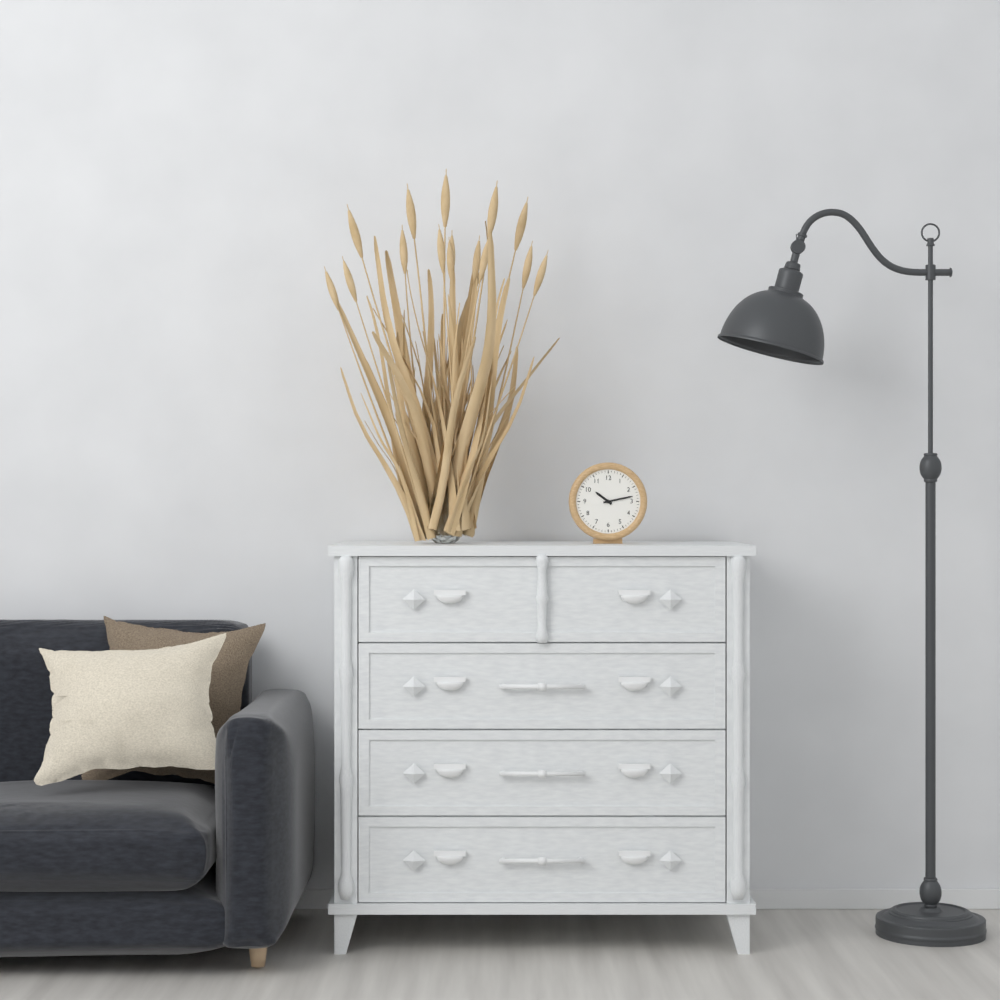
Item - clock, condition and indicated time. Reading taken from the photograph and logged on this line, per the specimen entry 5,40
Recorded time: 10,13
